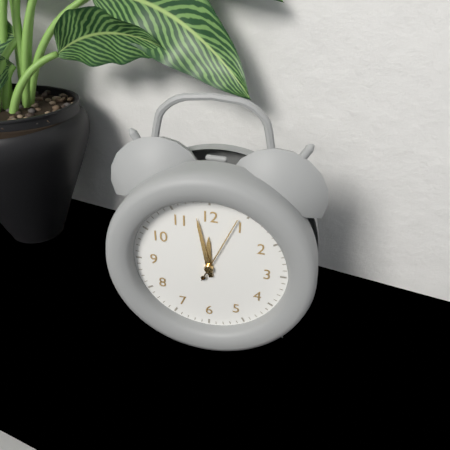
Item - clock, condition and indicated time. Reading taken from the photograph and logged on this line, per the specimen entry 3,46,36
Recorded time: 11,58,04
